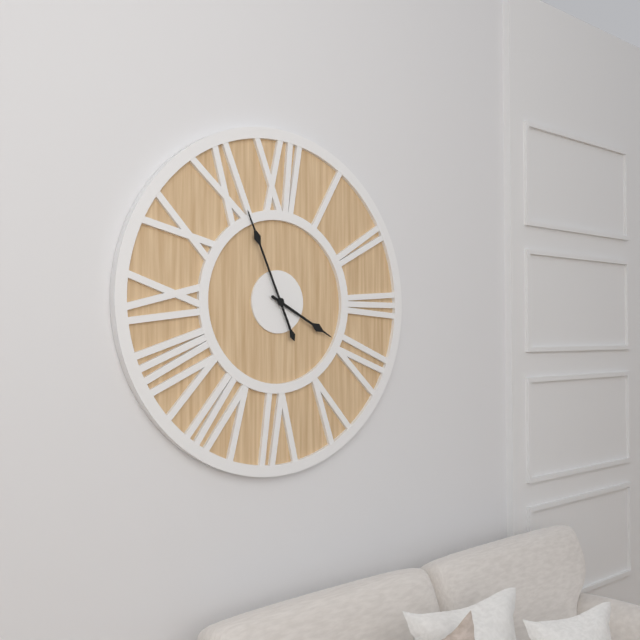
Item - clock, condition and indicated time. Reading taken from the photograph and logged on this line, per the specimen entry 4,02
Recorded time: 3,56
